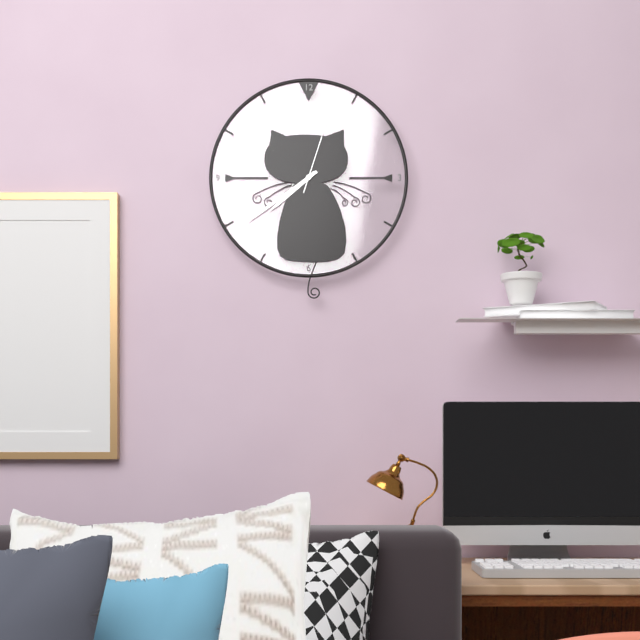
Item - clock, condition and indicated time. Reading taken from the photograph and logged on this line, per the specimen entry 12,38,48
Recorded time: 7,39,03
